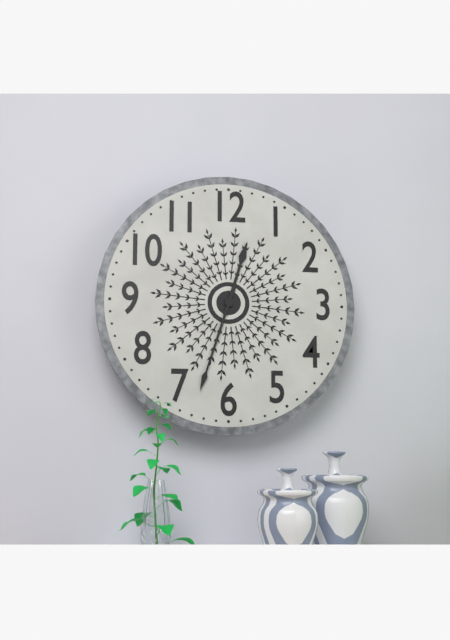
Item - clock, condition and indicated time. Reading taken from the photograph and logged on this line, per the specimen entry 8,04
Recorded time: 12,33
